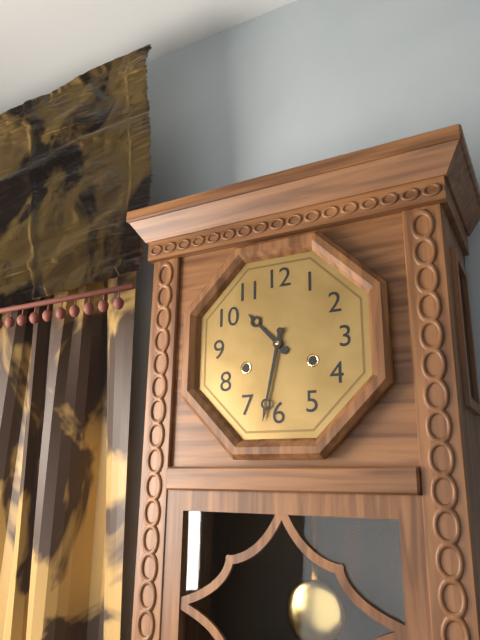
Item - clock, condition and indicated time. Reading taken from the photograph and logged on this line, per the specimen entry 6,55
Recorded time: 10,32
